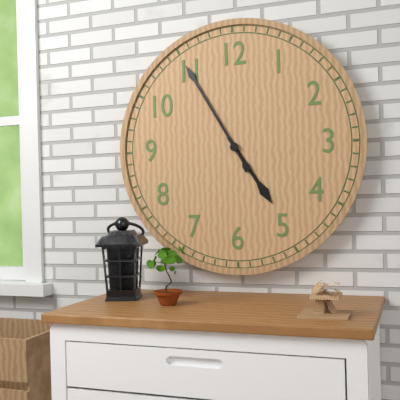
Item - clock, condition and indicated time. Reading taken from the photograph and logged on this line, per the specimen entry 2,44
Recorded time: 4,55
